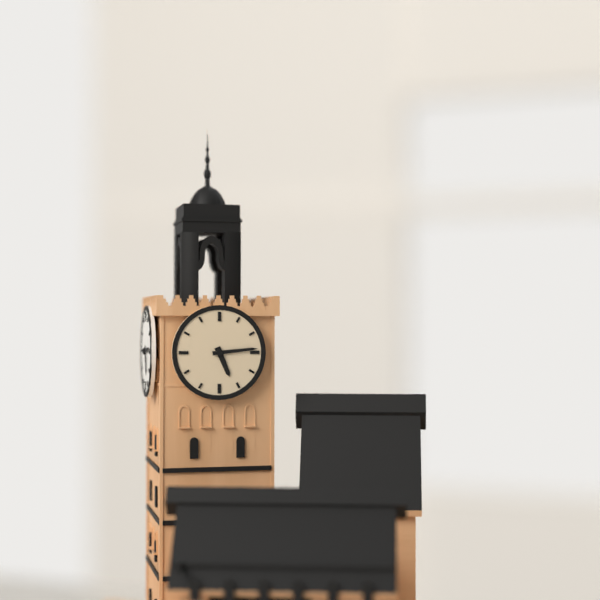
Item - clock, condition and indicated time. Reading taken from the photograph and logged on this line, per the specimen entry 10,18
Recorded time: 5,14
